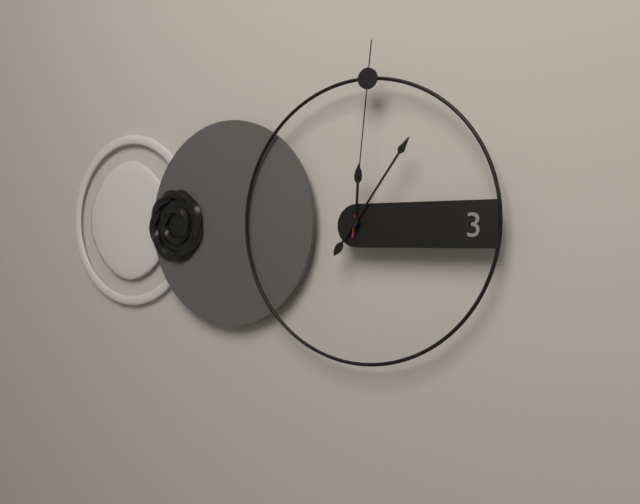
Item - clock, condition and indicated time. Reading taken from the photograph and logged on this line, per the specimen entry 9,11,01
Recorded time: 12,06,01
